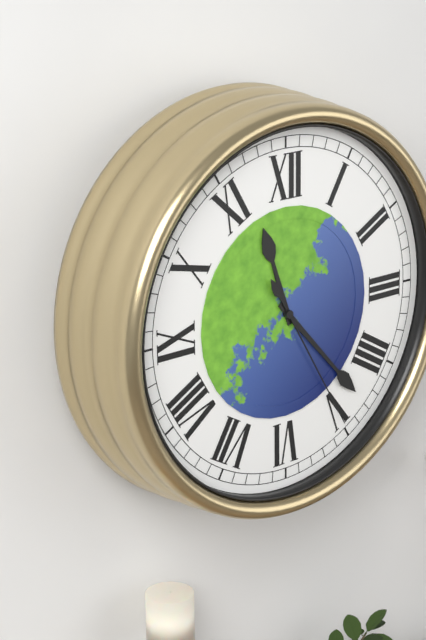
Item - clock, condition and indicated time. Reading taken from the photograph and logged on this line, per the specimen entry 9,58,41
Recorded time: 11,23,25
